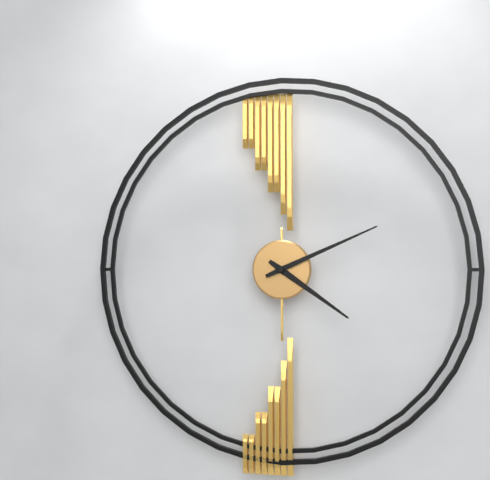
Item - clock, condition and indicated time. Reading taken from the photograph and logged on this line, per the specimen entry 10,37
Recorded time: 4,11
